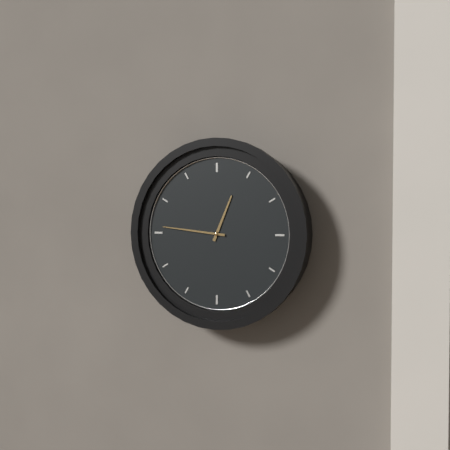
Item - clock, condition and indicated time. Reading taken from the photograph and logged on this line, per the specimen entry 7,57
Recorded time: 12,46
